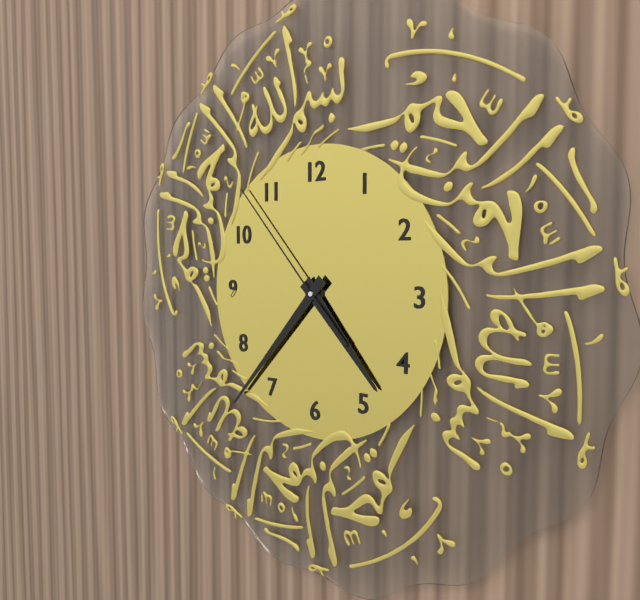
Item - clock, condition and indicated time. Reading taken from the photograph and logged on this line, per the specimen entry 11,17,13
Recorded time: 4,37,53
